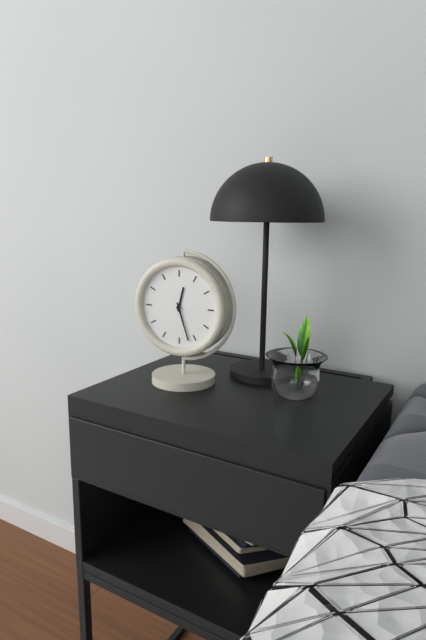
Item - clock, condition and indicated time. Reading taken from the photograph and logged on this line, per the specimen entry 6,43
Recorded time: 12,27
